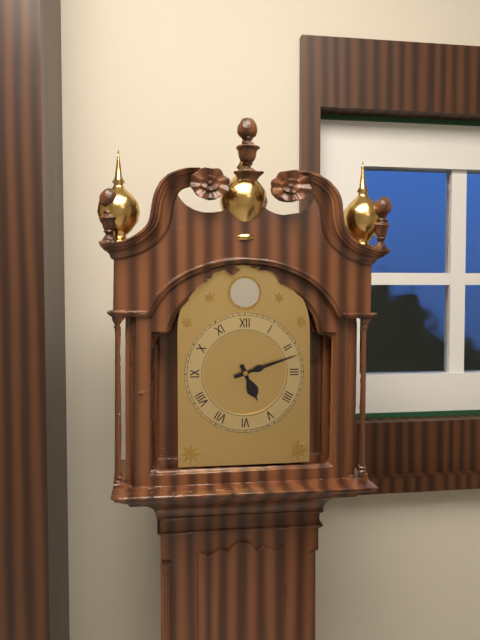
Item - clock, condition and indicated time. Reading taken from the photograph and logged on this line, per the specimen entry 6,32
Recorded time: 5,12
